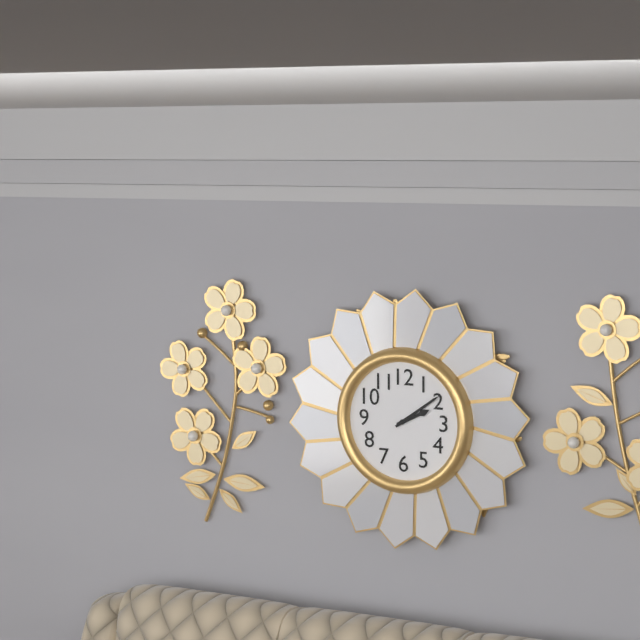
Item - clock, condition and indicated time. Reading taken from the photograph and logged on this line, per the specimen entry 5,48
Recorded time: 2,09
